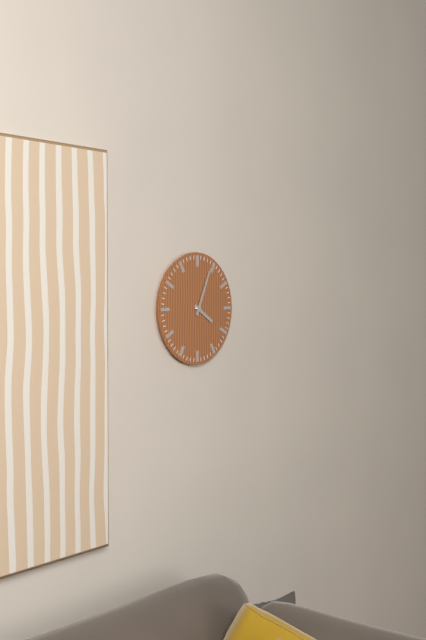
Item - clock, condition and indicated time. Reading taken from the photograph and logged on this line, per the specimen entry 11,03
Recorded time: 4,04
